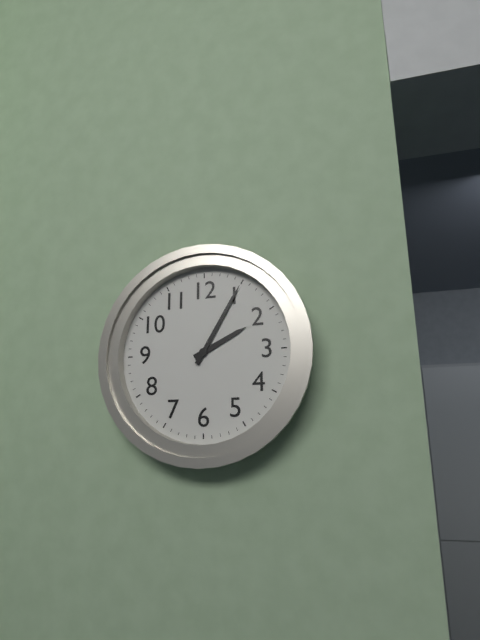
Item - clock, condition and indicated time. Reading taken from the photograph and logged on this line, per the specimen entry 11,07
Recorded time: 2,05
